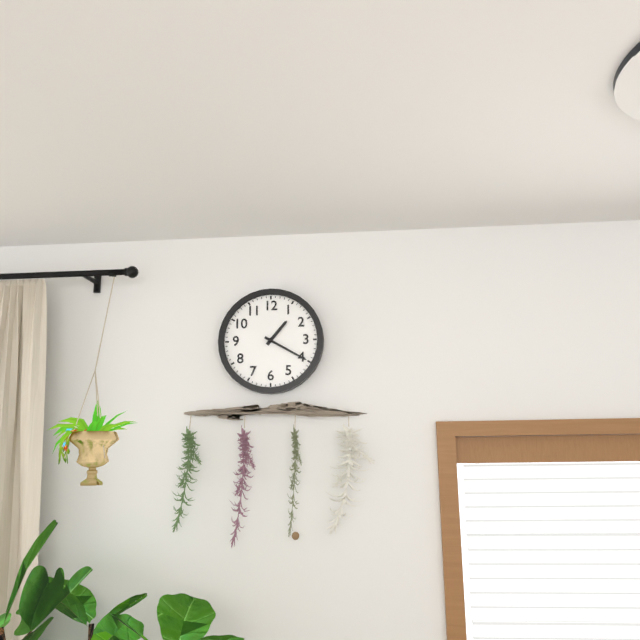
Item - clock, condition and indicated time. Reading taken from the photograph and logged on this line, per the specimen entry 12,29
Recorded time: 1,20
